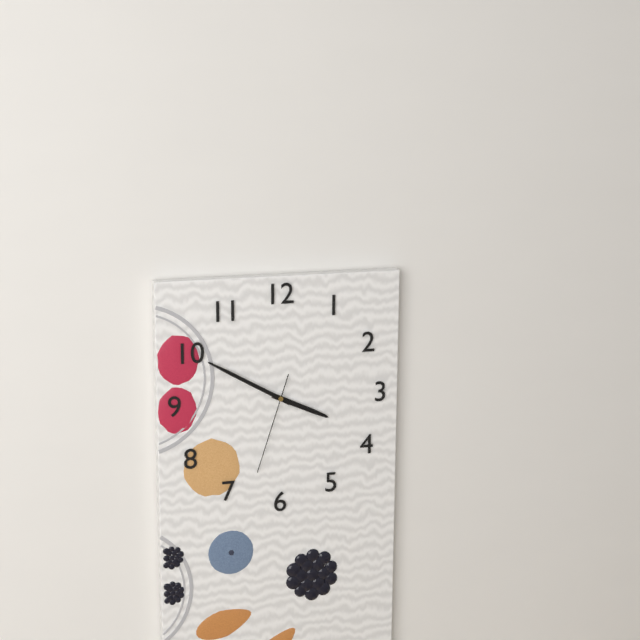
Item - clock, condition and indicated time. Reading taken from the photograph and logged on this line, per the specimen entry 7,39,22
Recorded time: 3,50,33
